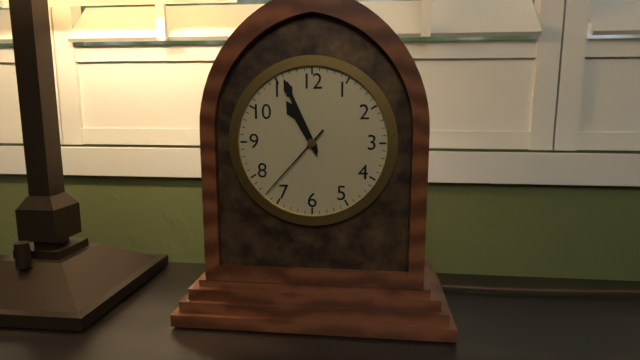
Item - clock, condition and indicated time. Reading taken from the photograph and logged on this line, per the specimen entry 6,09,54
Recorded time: 10,56,37
